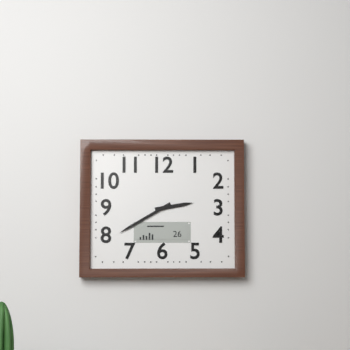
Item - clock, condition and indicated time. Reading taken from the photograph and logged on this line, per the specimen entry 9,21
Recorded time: 2,40
